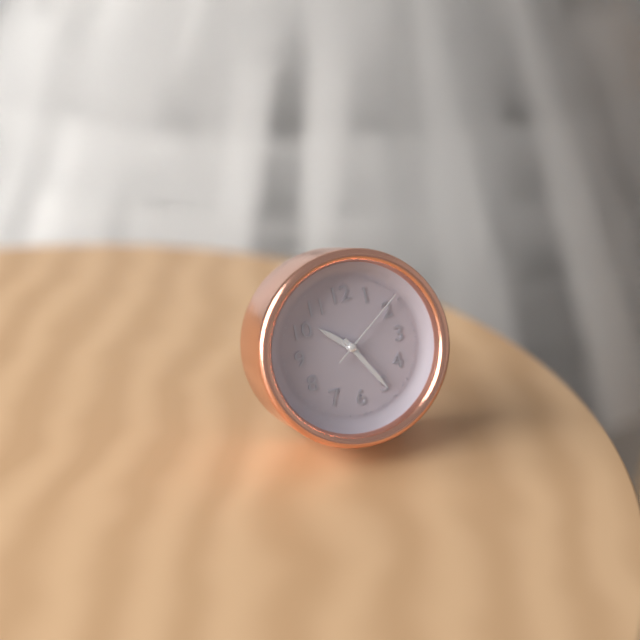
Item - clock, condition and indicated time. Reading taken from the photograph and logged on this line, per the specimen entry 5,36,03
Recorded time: 10,25,09
